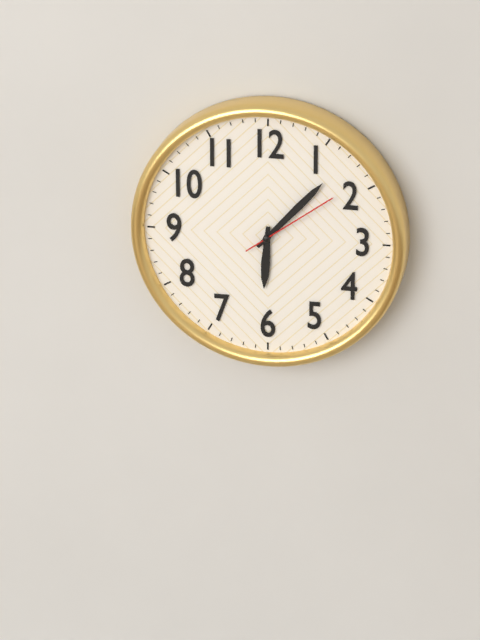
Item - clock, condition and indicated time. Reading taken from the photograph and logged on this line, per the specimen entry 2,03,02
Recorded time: 6,07,09
